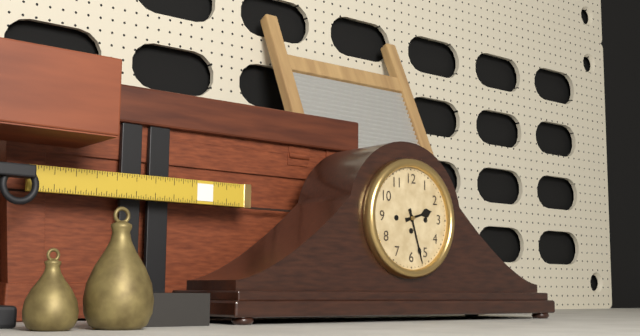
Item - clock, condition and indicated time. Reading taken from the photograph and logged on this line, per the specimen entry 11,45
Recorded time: 2,27
